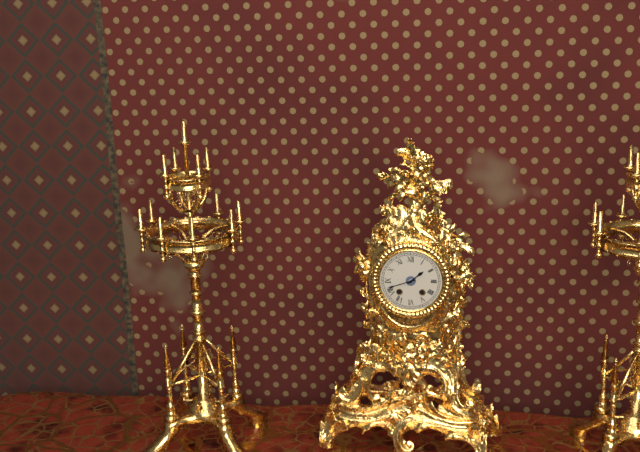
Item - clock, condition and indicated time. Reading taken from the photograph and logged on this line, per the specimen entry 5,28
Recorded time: 1,42
